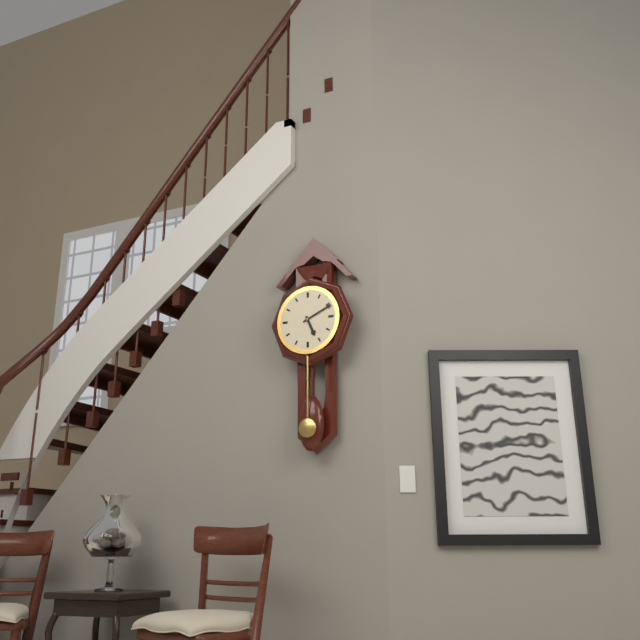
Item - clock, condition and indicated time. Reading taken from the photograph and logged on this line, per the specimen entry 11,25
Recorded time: 5,11
